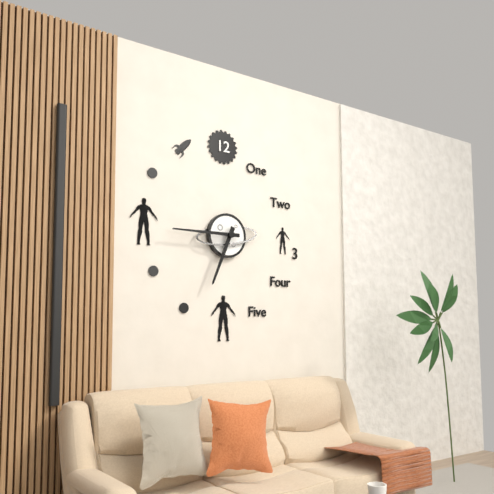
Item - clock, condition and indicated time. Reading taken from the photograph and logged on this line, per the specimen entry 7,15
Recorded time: 6,45
